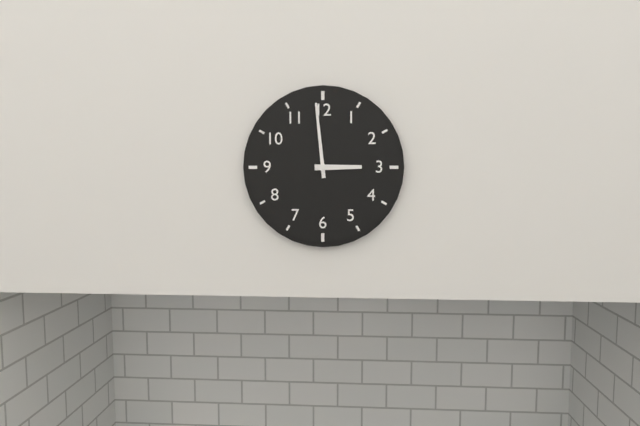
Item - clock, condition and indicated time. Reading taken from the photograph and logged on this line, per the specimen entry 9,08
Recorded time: 2,59
